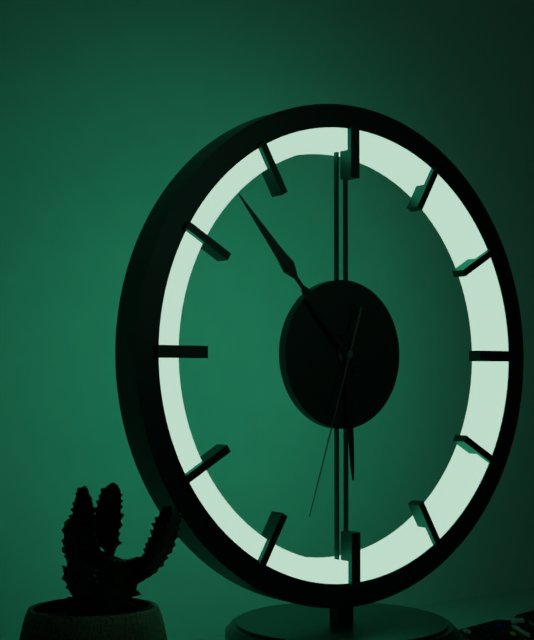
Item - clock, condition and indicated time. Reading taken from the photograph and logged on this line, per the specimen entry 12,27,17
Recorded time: 5,53,33
